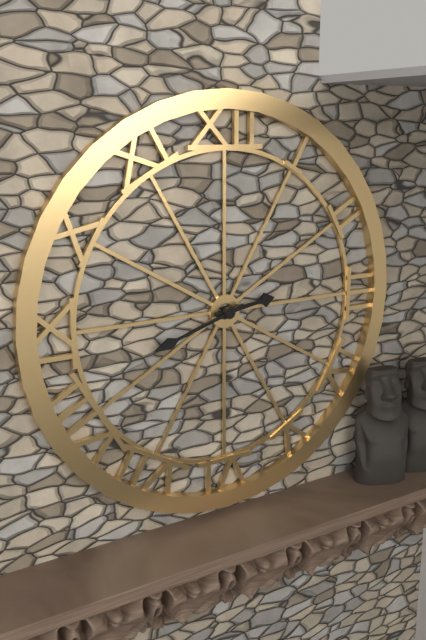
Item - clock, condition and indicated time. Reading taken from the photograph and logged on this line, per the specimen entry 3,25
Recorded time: 2,42
